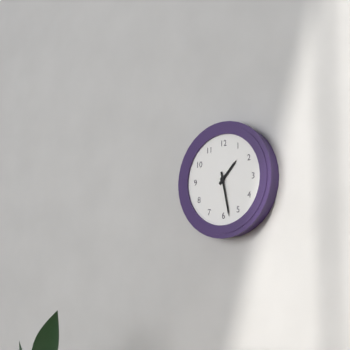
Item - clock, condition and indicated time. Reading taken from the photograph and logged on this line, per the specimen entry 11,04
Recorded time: 1,28
